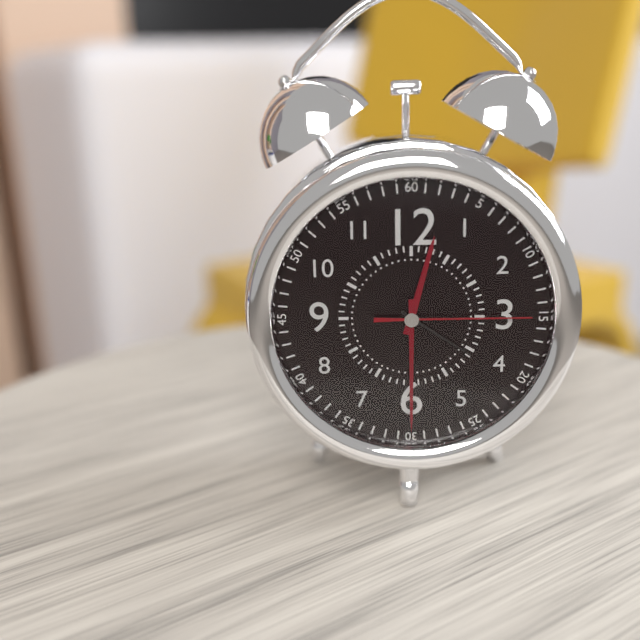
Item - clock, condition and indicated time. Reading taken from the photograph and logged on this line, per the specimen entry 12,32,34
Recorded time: 12,30,15
